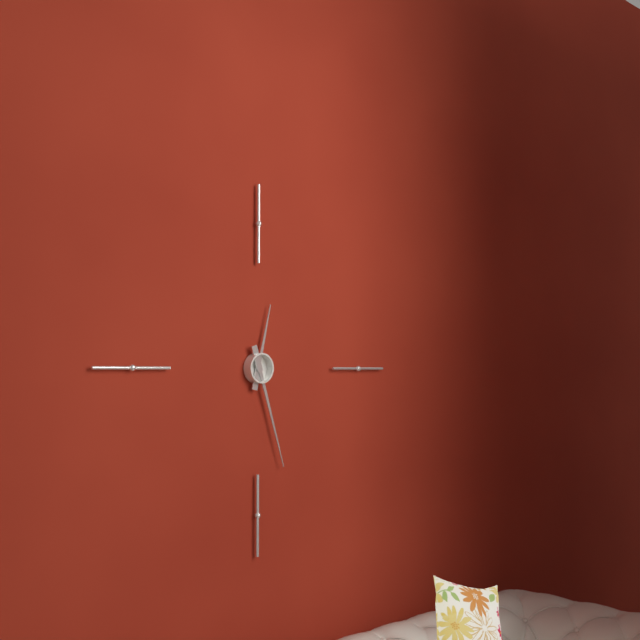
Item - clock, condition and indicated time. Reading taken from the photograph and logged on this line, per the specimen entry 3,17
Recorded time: 12,27
